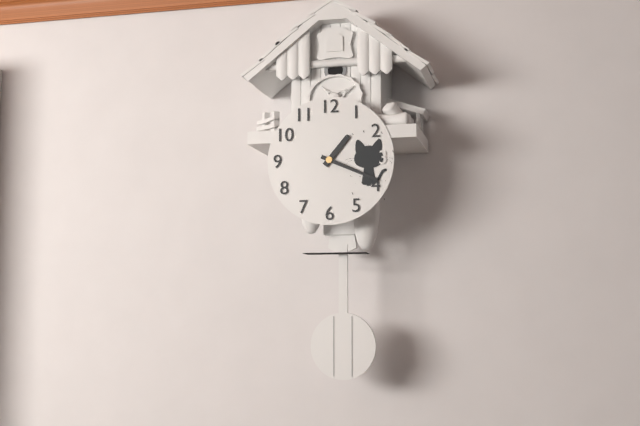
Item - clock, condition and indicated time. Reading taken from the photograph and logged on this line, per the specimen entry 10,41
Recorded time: 1,19
